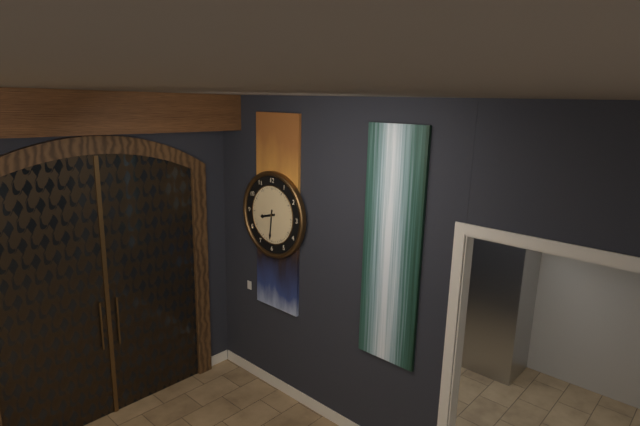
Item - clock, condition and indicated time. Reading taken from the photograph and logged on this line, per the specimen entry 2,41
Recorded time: 8,31
